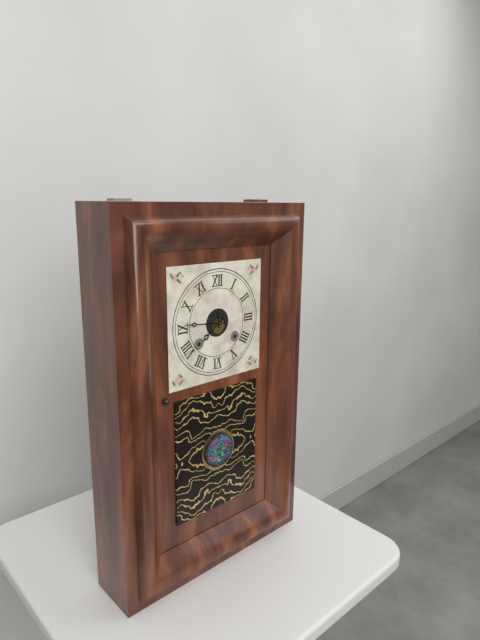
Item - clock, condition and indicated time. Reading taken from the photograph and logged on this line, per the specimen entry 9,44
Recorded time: 7,46
